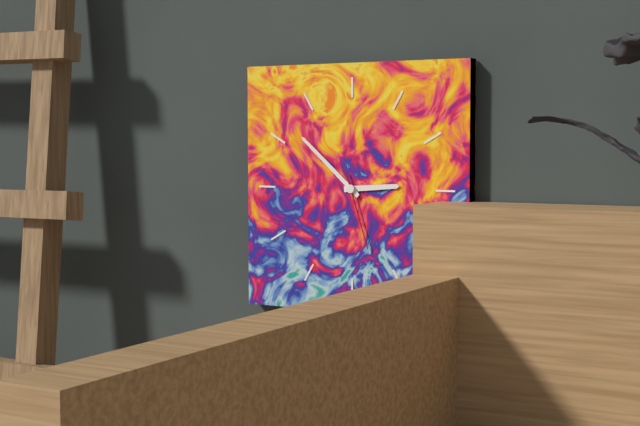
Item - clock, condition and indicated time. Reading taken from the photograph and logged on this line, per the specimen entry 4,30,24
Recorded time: 2,52,27
